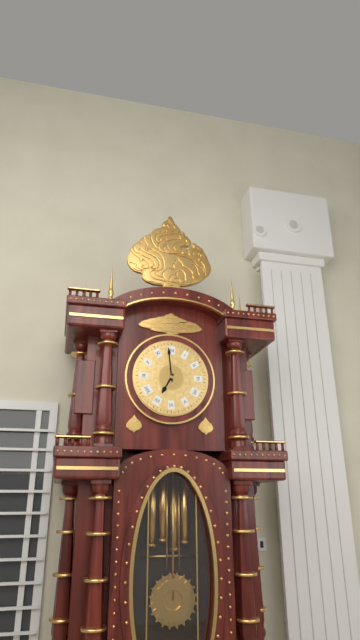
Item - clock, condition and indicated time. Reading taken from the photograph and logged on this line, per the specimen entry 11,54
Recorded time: 6,59
